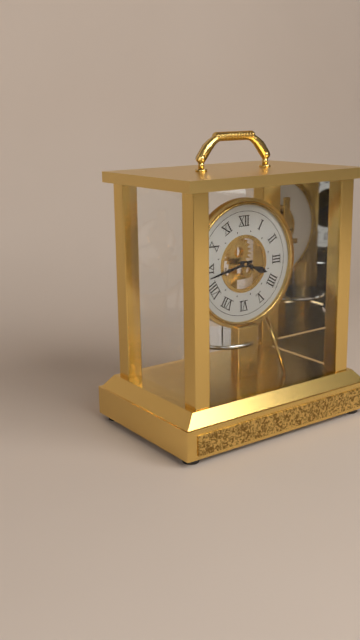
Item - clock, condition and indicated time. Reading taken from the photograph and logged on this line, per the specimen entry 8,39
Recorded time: 3,43
